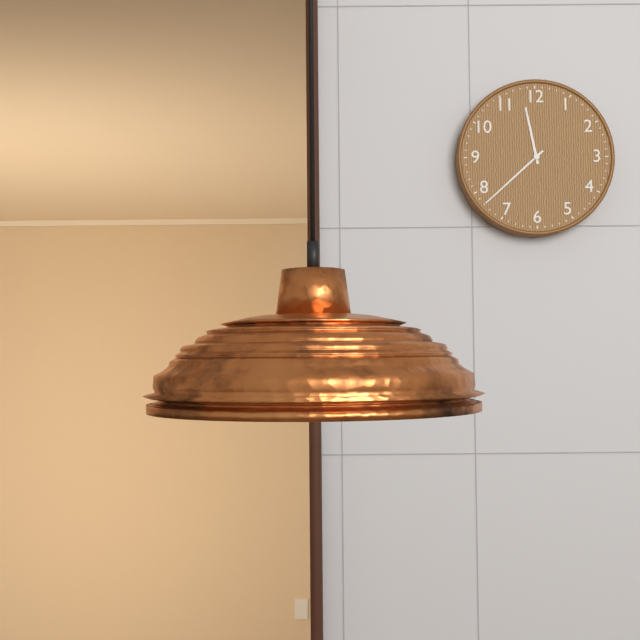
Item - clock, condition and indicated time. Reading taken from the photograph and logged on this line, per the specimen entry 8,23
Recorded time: 11,38
